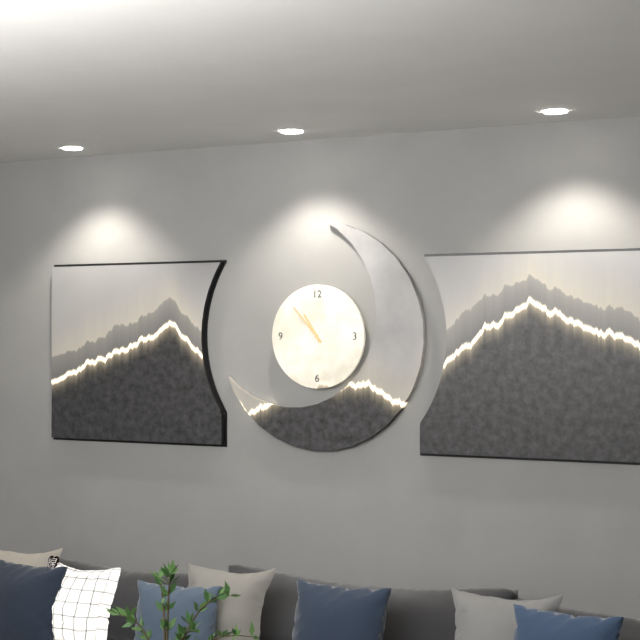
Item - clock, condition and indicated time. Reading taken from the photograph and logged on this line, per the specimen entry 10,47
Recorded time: 10,53
